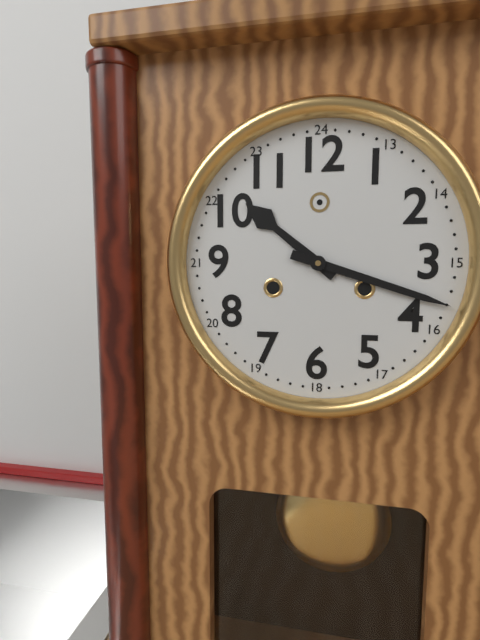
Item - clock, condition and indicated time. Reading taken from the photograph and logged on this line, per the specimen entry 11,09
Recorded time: 10,18
